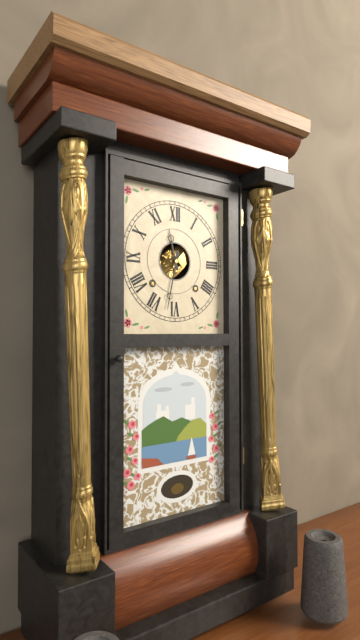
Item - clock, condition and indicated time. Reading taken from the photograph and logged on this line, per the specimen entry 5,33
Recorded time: 11,32
